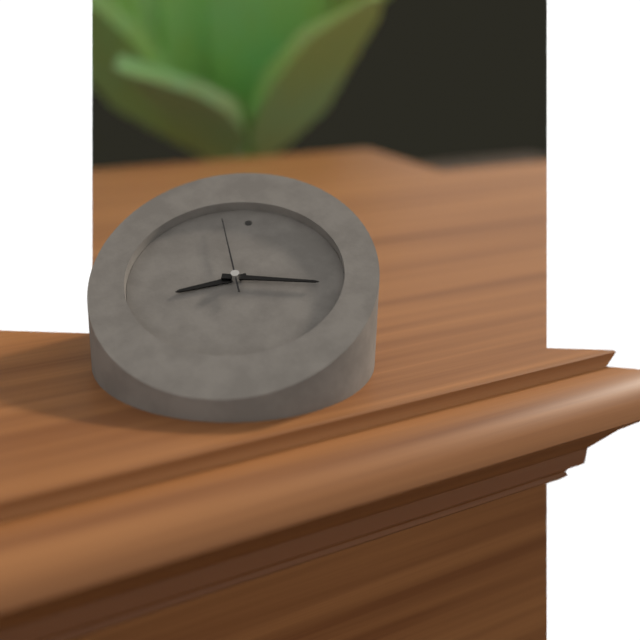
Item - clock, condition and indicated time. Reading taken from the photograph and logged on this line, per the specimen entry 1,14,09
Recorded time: 8,15,57
